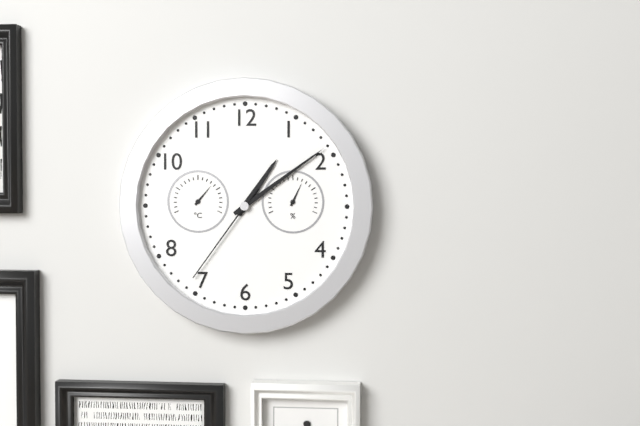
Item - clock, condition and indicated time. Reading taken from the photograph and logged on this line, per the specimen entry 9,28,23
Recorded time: 1,09,36
